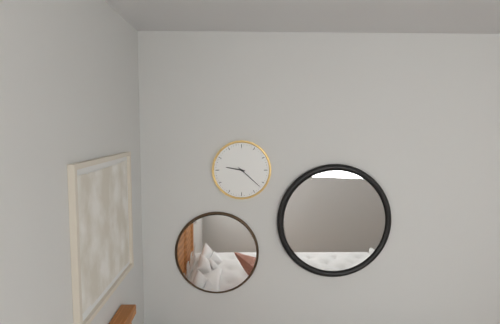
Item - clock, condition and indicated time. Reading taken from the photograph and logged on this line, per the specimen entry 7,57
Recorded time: 9,22
